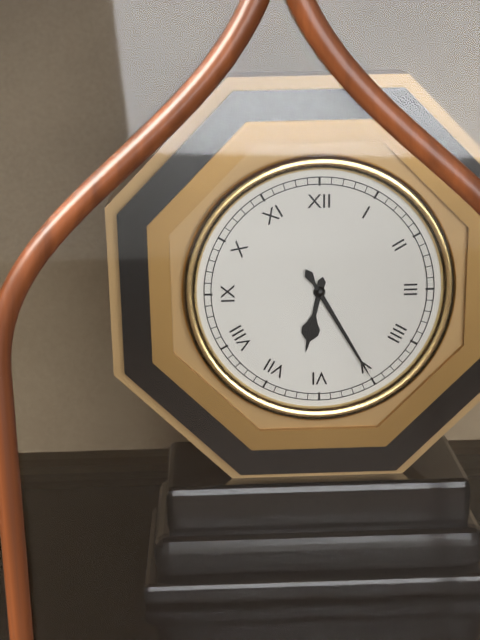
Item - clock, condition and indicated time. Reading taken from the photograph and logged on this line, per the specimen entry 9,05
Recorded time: 6,25
